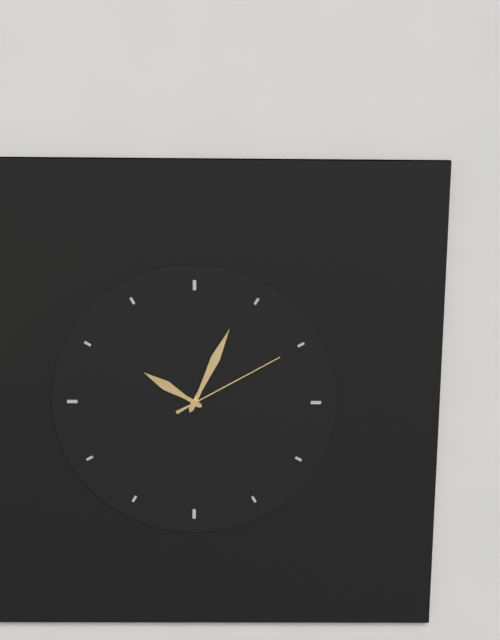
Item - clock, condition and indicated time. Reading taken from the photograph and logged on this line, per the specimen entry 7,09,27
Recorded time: 10,04,10
